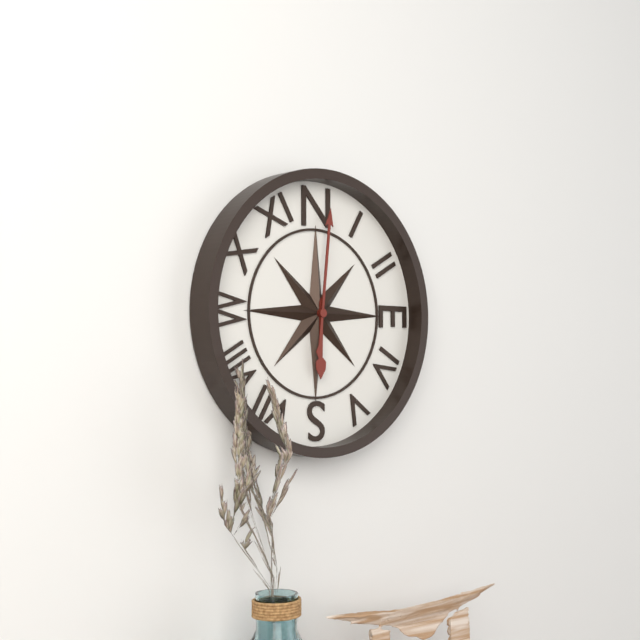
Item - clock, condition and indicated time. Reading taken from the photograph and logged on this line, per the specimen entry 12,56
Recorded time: 6,01
